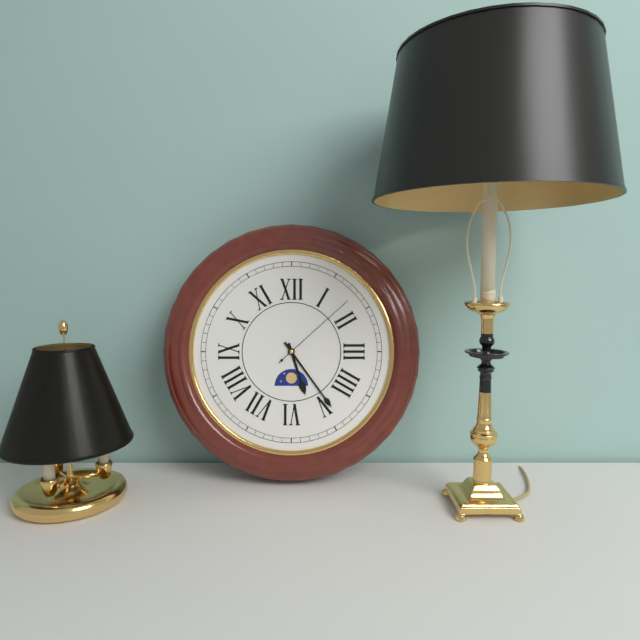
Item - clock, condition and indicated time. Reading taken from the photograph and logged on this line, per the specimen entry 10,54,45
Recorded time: 5,24,08
